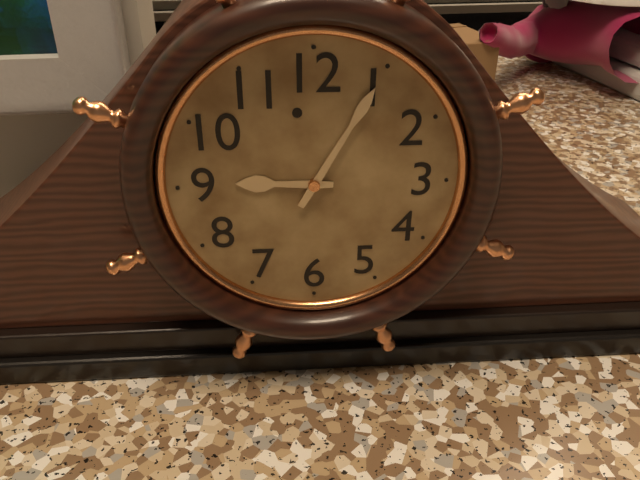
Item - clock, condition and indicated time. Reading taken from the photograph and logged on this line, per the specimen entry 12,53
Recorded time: 9,05
